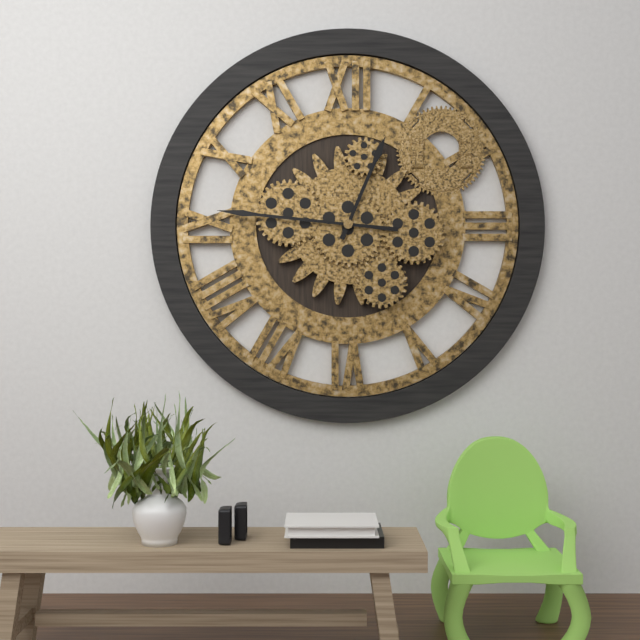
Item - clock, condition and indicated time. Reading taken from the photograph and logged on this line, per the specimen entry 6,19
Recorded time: 12,46
